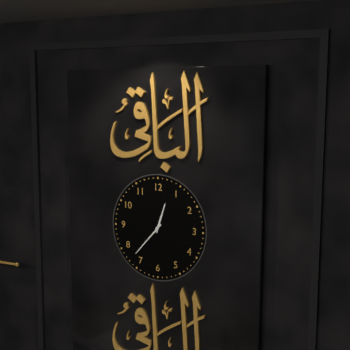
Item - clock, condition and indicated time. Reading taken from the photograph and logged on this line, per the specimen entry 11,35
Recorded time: 12,37
